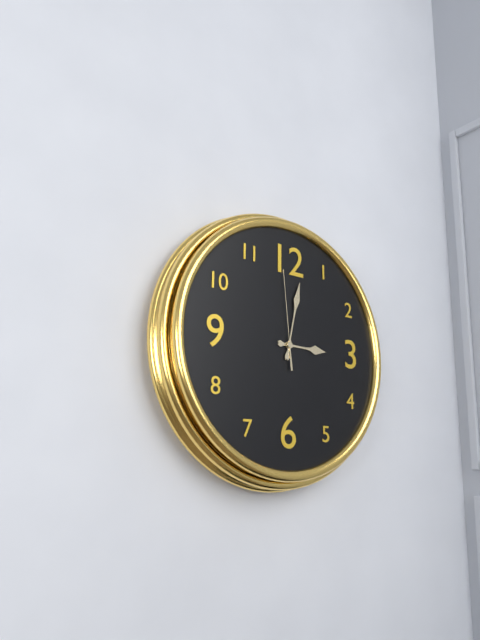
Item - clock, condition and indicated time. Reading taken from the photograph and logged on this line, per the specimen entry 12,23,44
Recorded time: 3,02,59
